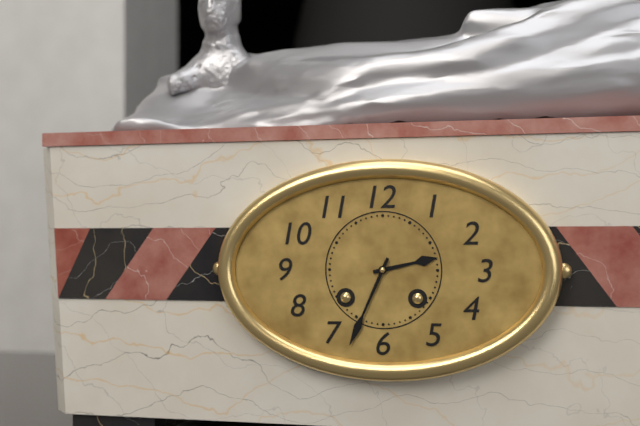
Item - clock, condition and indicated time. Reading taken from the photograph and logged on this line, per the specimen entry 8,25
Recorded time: 2,34
